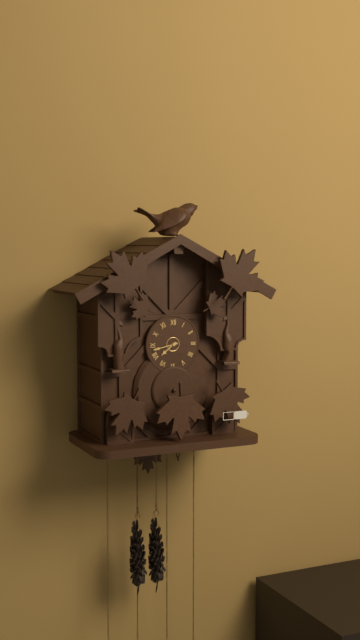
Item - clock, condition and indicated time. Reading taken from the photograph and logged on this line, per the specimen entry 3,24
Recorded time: 7,43
